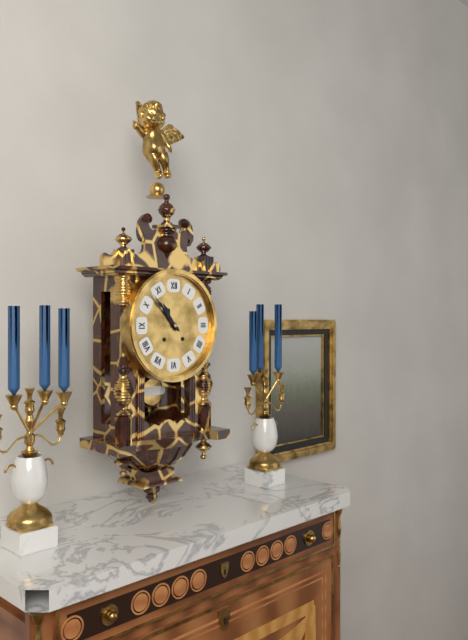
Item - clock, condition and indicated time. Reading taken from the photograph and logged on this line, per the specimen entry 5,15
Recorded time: 10,53
